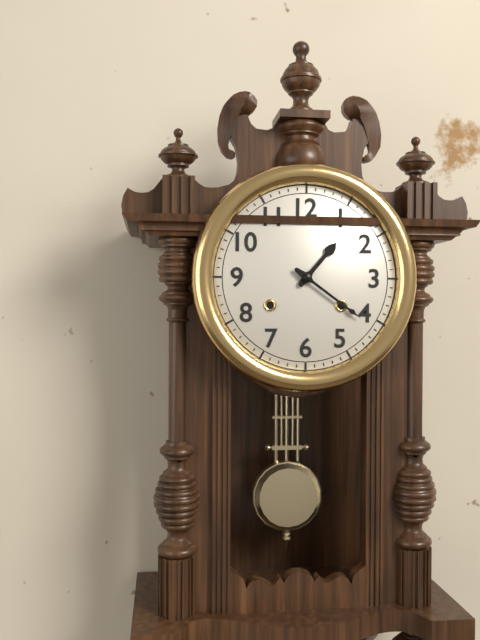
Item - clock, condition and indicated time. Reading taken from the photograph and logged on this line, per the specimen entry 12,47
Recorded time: 1,21
